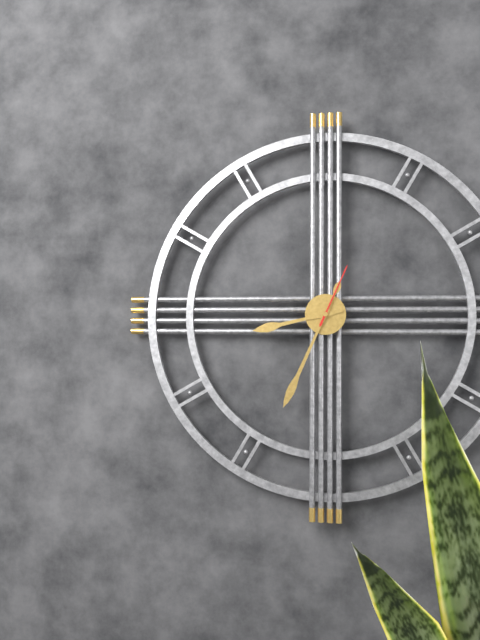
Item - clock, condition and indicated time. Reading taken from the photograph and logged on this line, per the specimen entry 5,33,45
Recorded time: 8,34,04
